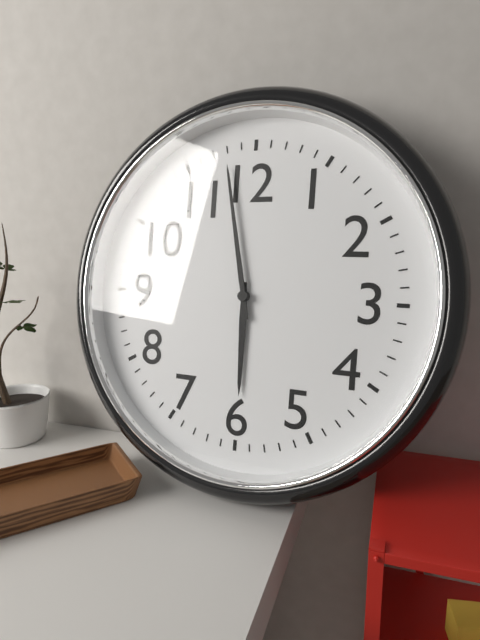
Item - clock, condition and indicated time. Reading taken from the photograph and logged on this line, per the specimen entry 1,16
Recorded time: 5,58
